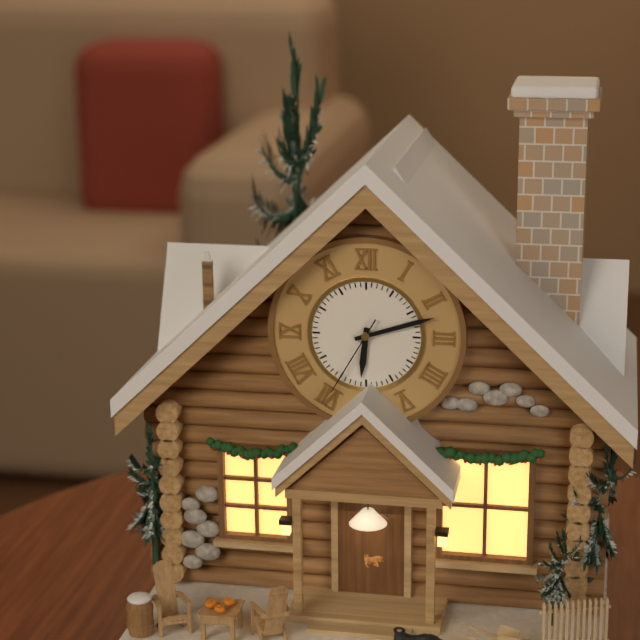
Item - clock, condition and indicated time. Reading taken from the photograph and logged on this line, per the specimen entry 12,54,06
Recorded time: 6,12,35
